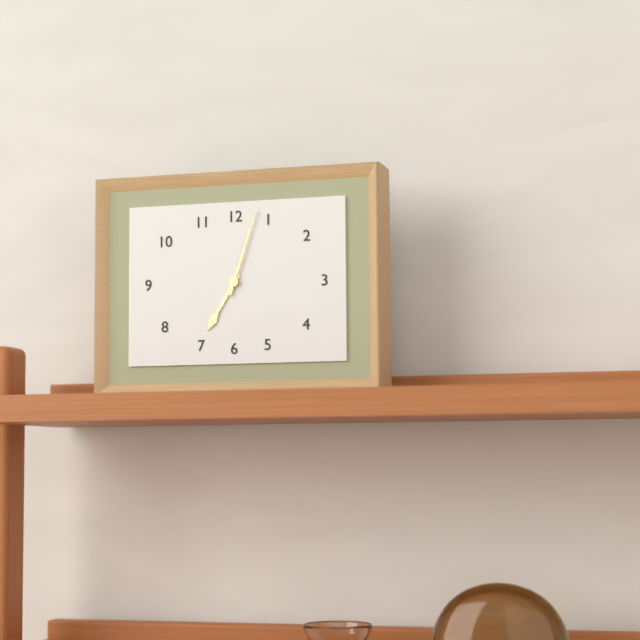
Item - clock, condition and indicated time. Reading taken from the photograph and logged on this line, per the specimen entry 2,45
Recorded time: 7,03
